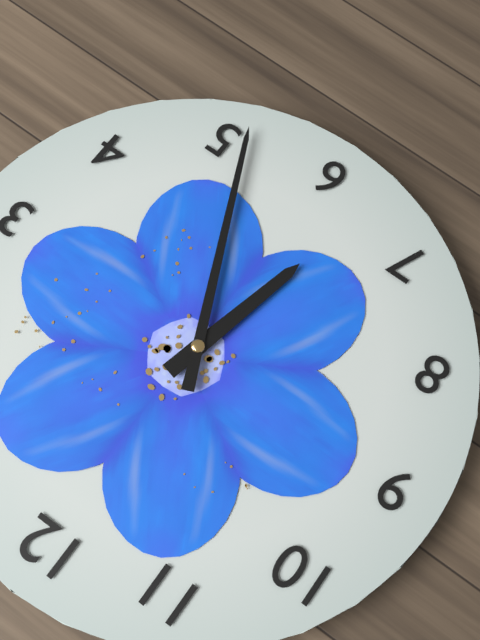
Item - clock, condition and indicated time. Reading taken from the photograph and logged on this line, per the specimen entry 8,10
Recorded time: 6,26
